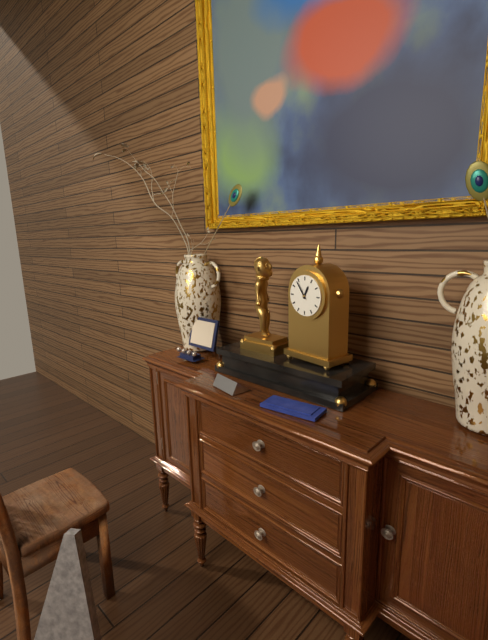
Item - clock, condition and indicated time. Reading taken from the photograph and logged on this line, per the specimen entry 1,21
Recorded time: 12,54
